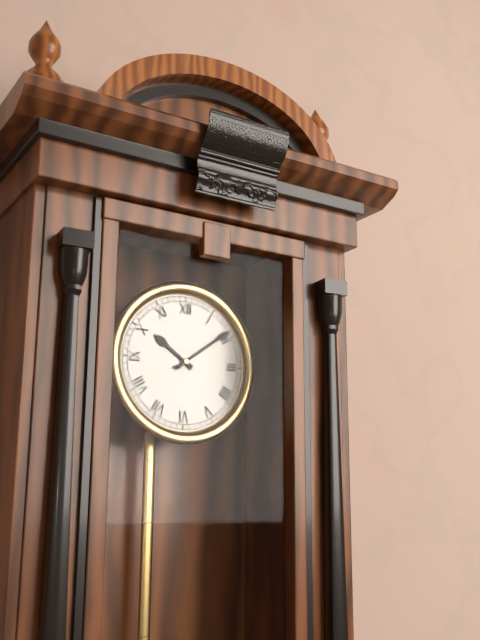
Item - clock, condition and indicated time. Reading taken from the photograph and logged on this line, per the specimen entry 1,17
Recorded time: 10,09
